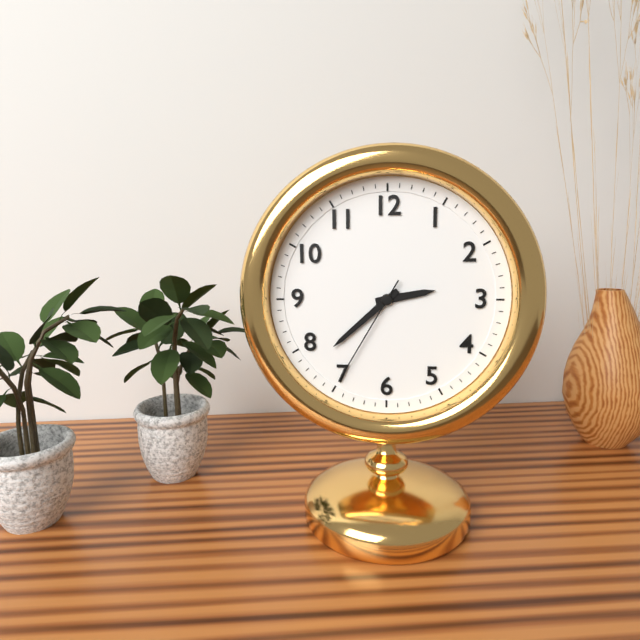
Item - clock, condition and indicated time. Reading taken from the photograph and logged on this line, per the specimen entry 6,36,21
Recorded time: 2,38,35
